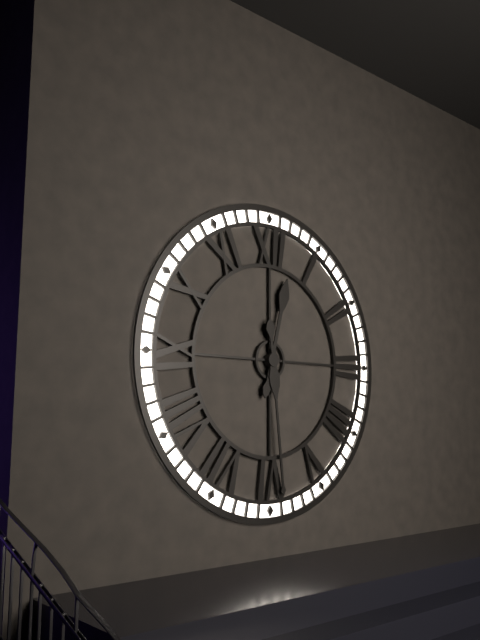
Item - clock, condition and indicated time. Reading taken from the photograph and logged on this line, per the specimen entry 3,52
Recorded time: 12,29
